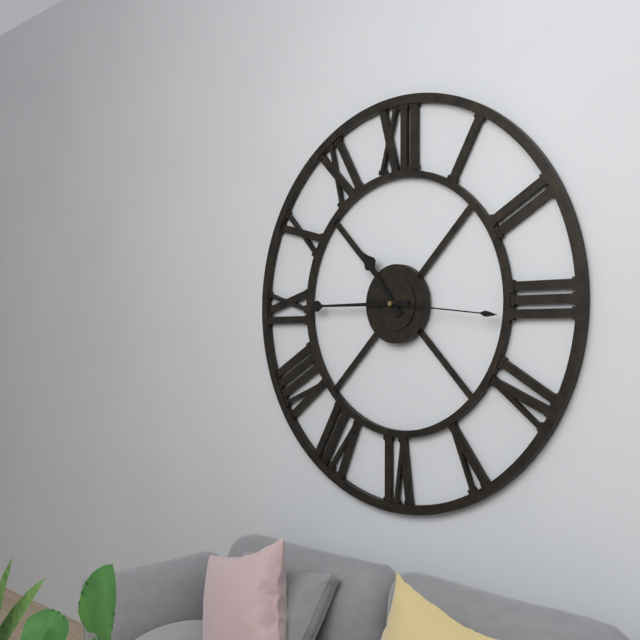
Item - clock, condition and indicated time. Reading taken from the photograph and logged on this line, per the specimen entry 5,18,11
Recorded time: 10,45,16
